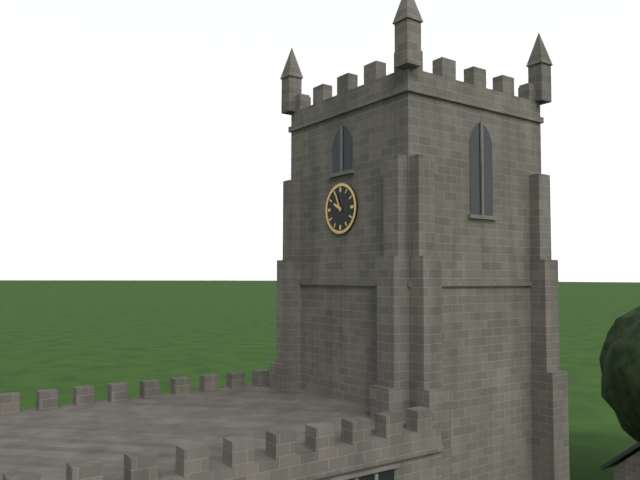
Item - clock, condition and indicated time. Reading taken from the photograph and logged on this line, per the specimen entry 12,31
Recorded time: 9,56
